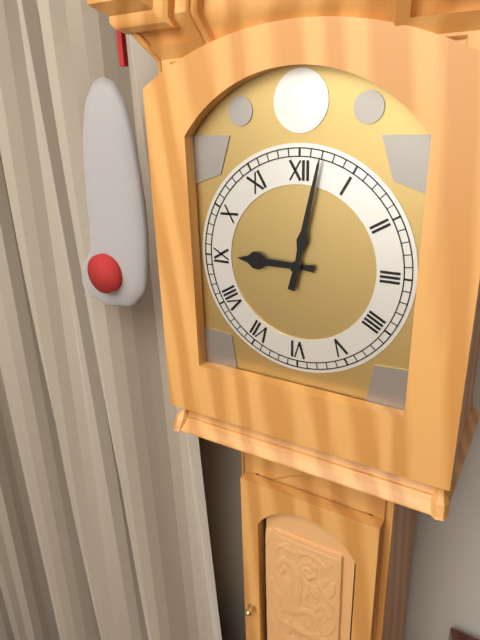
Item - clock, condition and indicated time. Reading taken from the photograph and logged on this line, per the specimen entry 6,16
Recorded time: 9,02
